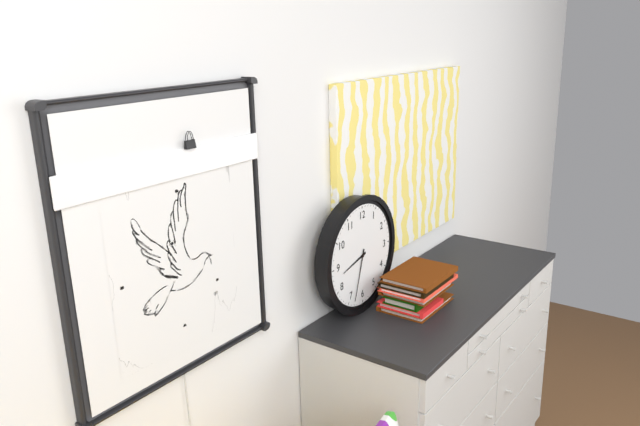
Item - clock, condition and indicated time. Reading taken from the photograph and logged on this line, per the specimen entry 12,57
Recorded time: 8,33
